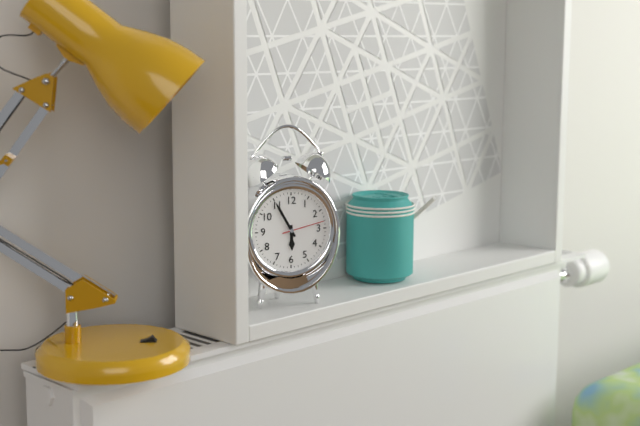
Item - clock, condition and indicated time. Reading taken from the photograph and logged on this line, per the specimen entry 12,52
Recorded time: 5,55
